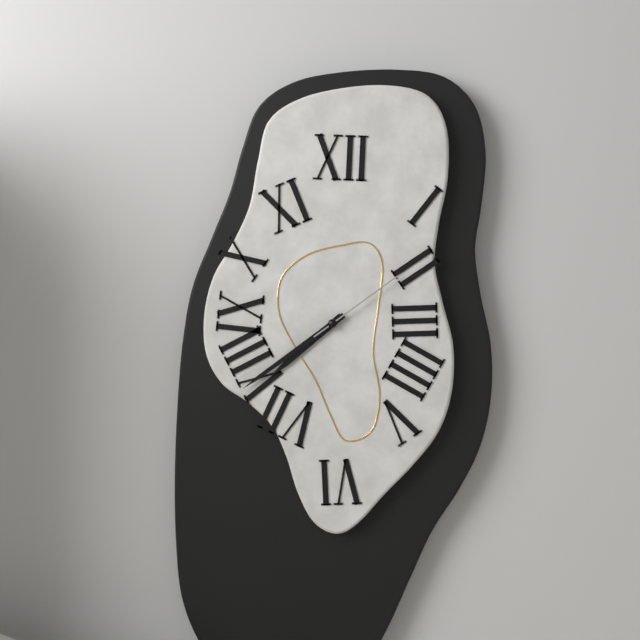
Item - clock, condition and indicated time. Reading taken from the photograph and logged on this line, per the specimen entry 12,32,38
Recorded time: 7,39,09
